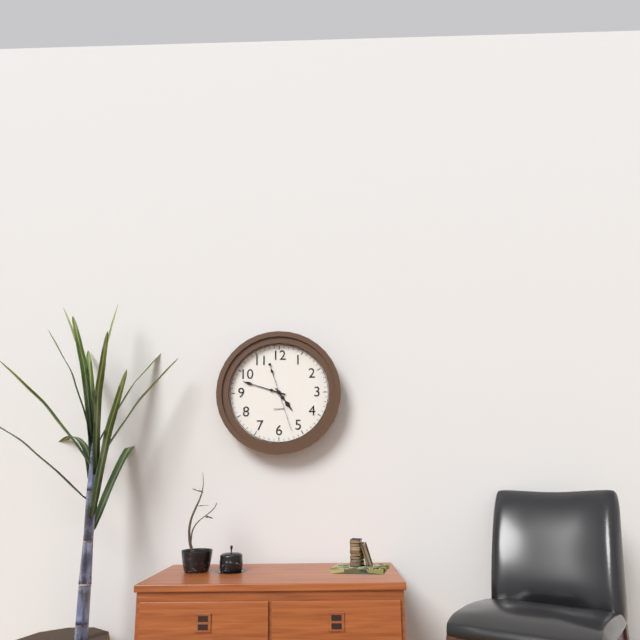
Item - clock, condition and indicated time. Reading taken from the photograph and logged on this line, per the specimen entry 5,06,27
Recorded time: 4,48,27
